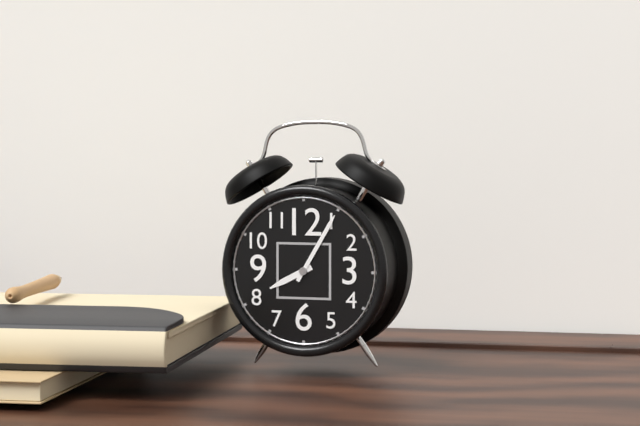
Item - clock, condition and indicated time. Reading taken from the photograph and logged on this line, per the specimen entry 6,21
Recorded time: 8,05
